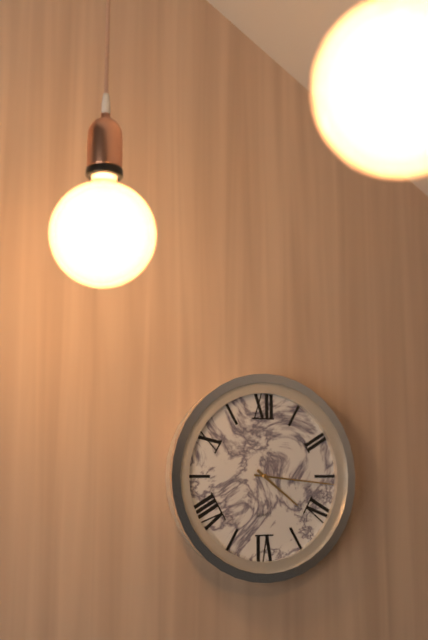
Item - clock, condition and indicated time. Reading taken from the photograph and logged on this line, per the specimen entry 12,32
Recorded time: 4,16
